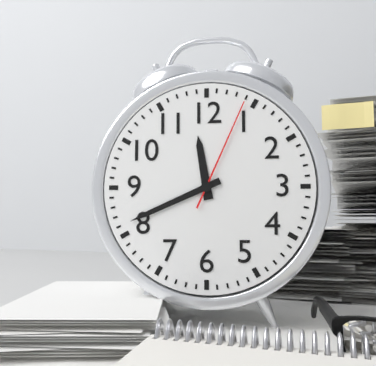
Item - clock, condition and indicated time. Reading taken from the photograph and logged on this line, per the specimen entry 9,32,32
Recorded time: 11,41,04
